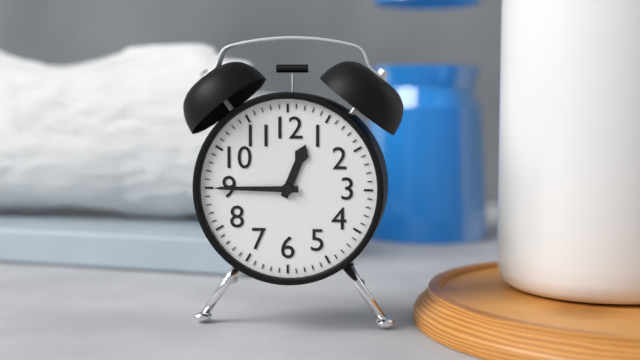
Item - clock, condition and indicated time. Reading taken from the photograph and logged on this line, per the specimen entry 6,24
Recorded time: 12,45
